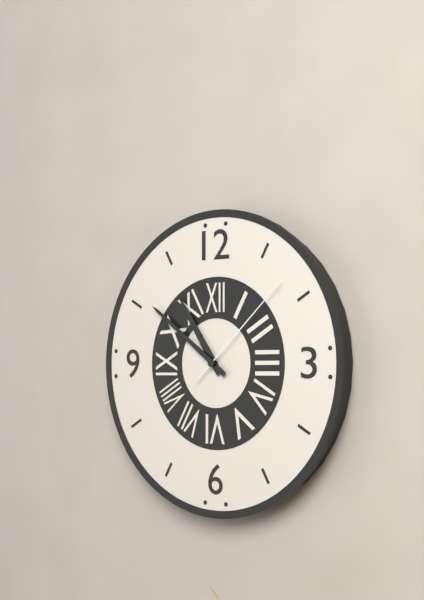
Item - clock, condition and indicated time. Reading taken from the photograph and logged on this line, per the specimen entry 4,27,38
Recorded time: 10,51,08
